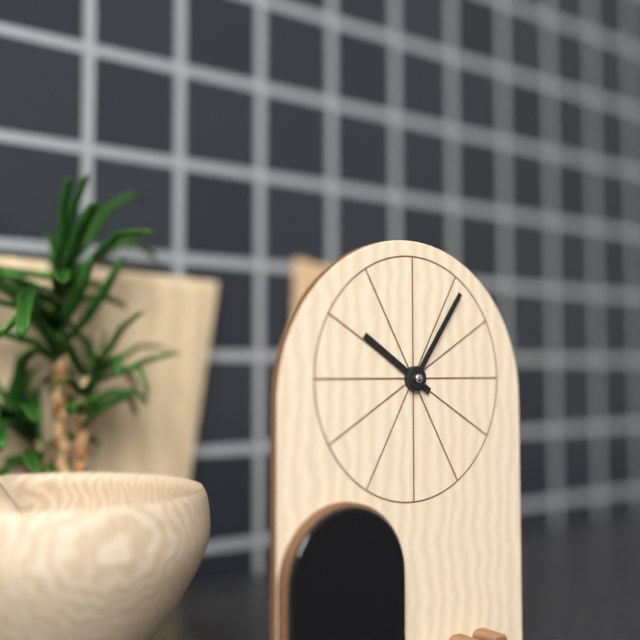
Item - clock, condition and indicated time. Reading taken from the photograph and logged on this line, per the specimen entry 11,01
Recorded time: 10,06
